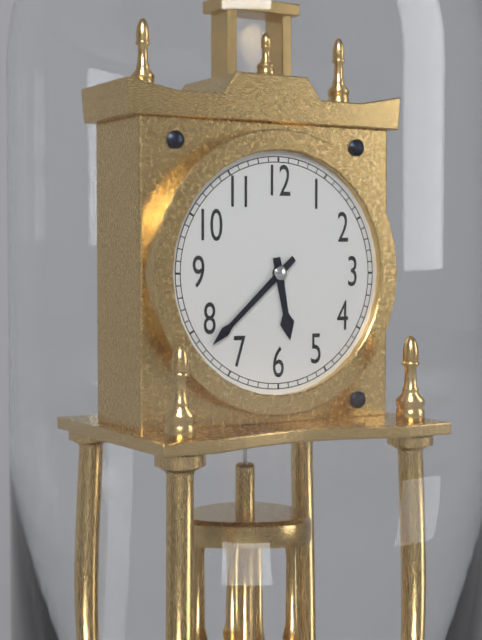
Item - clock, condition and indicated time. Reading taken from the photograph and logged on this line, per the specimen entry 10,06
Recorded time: 5,38
